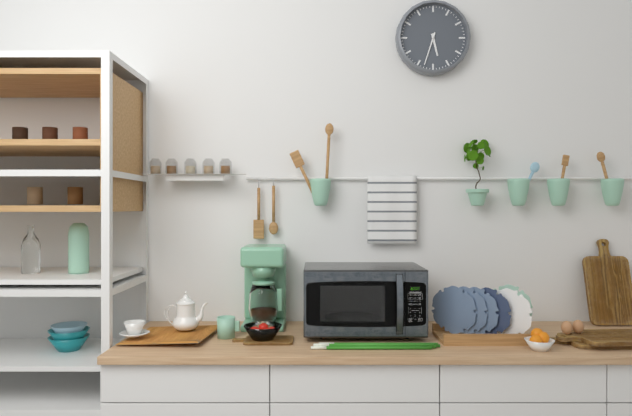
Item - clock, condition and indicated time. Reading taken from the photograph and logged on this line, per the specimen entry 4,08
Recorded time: 5,33
